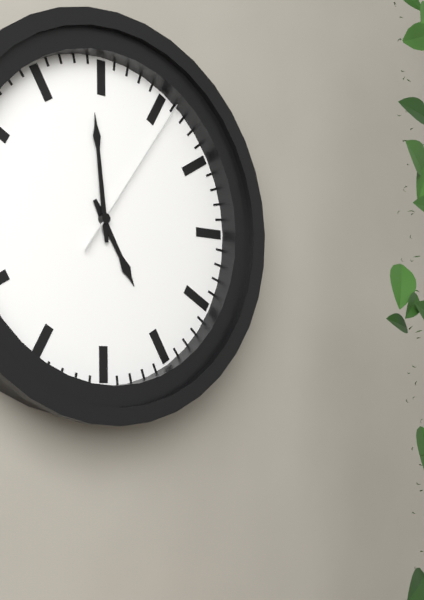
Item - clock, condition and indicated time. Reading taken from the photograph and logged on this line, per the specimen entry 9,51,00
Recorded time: 4,59,06
